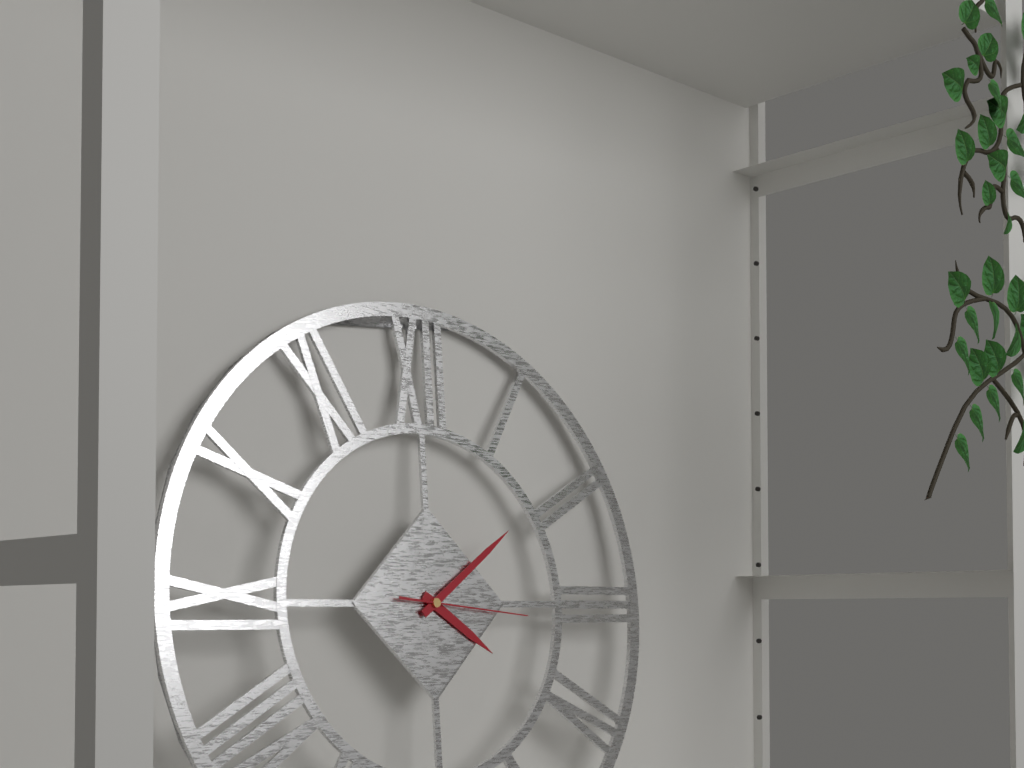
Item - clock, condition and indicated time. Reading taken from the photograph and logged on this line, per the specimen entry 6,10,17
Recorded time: 4,09,16
